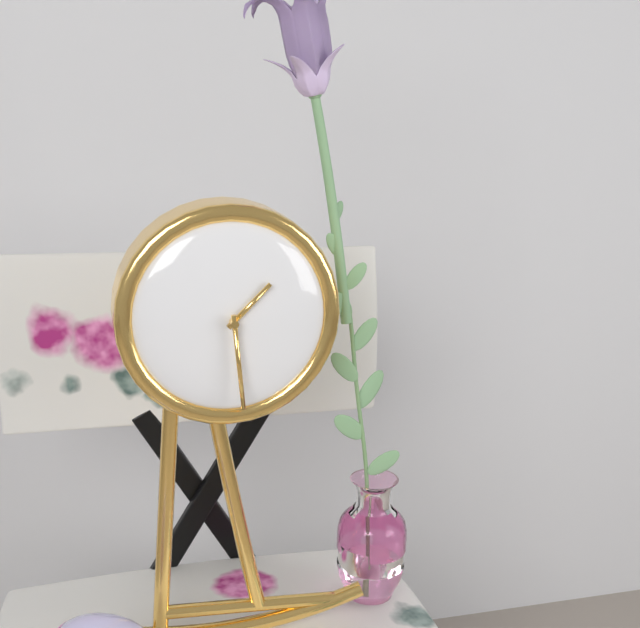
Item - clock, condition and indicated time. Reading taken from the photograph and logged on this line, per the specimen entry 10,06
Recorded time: 1,29
